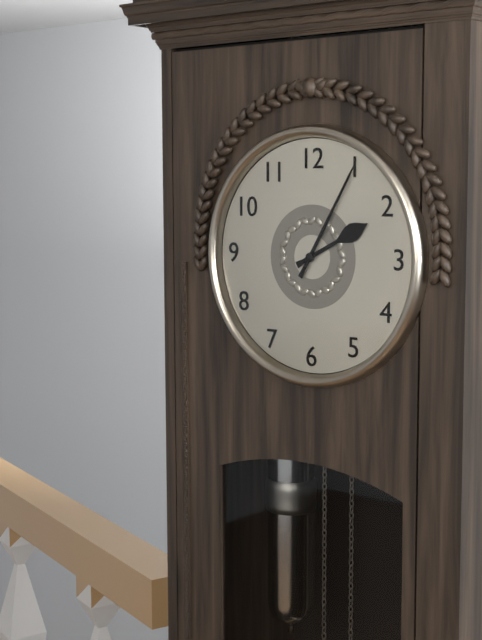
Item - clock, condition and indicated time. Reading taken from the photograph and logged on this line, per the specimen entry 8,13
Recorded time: 2,05
